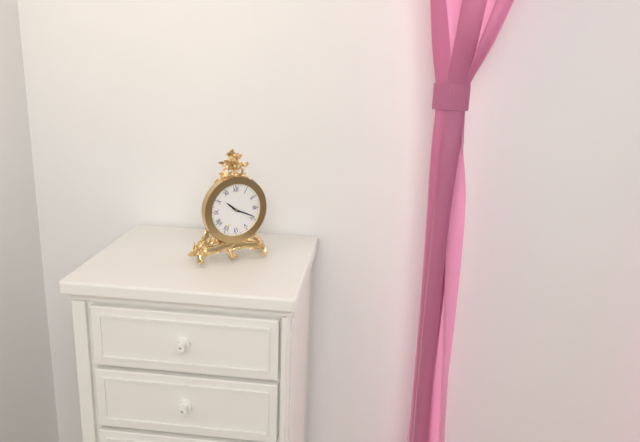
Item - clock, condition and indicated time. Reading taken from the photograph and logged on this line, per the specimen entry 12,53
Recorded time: 10,19
